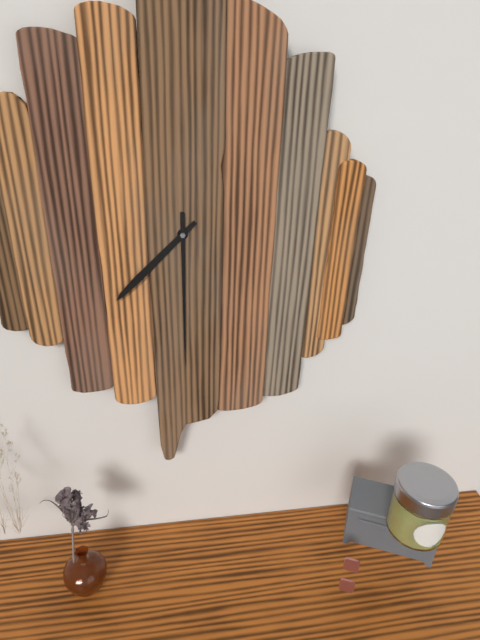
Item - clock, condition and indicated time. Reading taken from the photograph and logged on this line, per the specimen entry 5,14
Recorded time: 7,30
